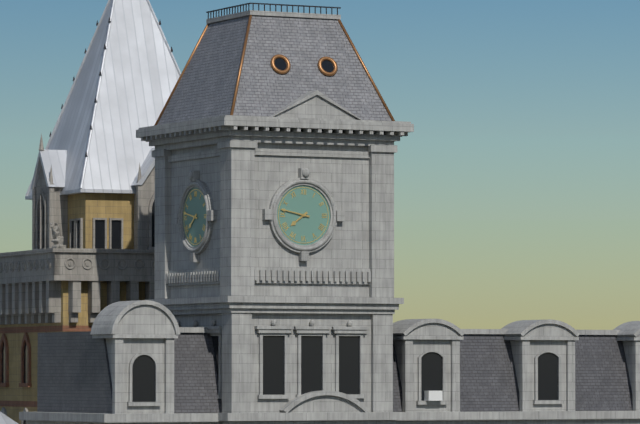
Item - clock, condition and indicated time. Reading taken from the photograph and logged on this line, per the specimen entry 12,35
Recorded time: 7,47
